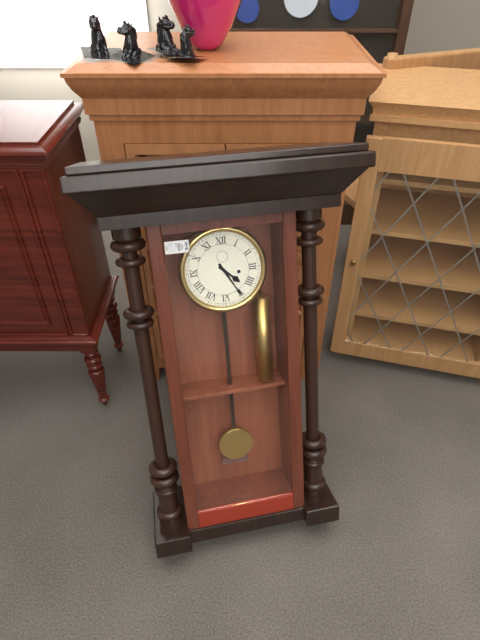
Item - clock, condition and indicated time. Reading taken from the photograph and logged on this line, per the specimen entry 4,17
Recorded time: 4,25
